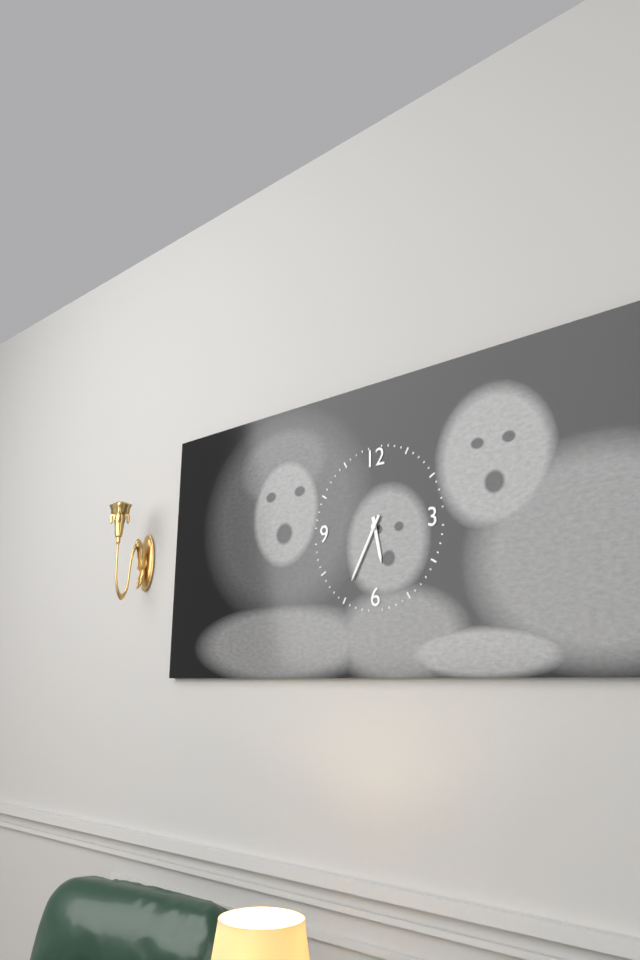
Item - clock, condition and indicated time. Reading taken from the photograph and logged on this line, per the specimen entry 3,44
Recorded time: 5,35
